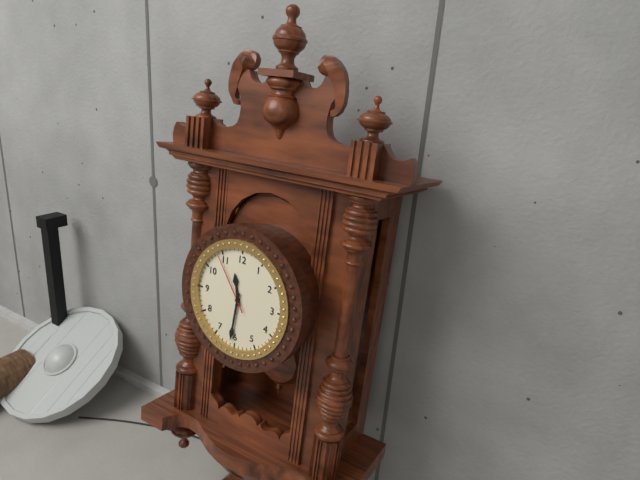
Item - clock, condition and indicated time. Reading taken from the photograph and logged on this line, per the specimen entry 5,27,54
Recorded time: 11,31,54
